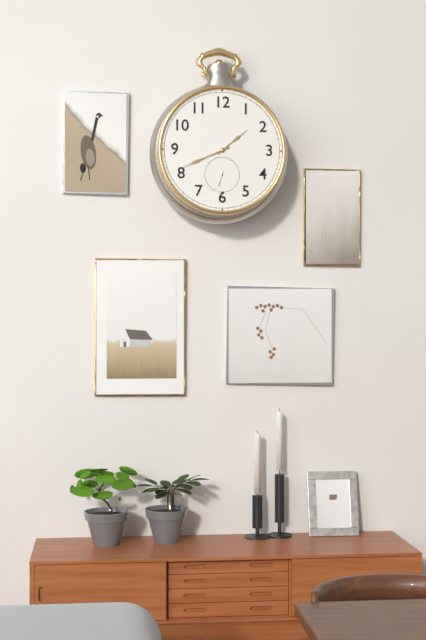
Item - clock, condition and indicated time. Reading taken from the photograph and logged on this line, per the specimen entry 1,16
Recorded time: 1,41
